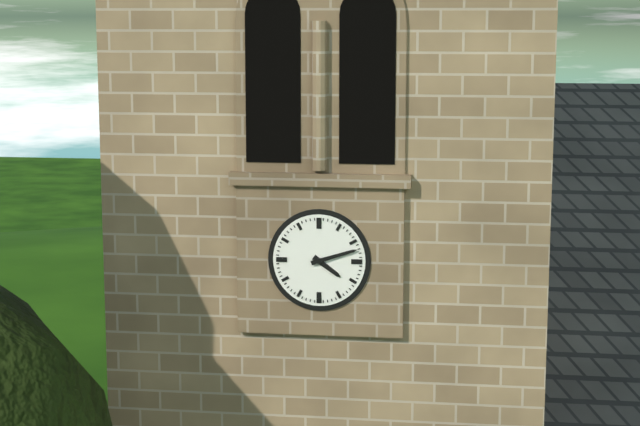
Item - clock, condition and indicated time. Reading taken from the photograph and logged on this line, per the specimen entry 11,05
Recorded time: 4,12
